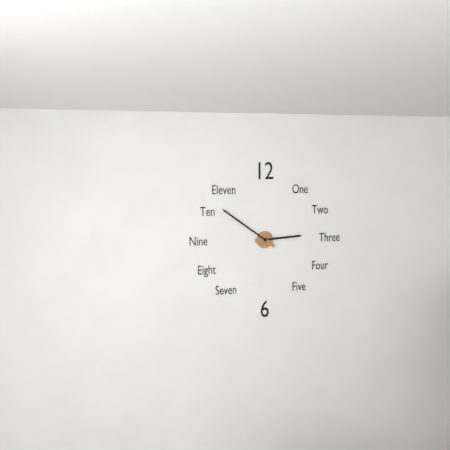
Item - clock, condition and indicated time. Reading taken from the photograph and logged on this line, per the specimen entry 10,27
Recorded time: 2,51
